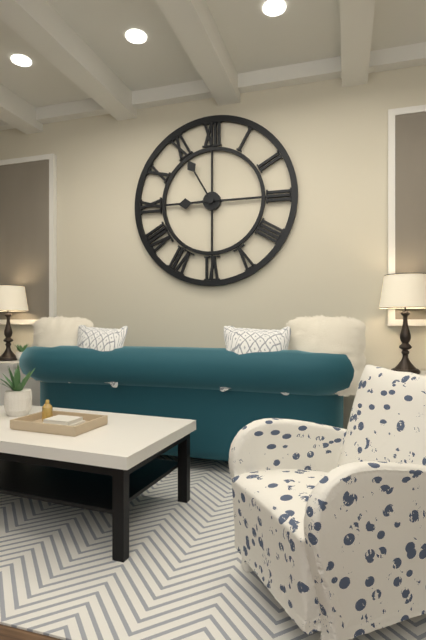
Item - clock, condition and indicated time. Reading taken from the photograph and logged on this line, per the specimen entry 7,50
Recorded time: 8,55
